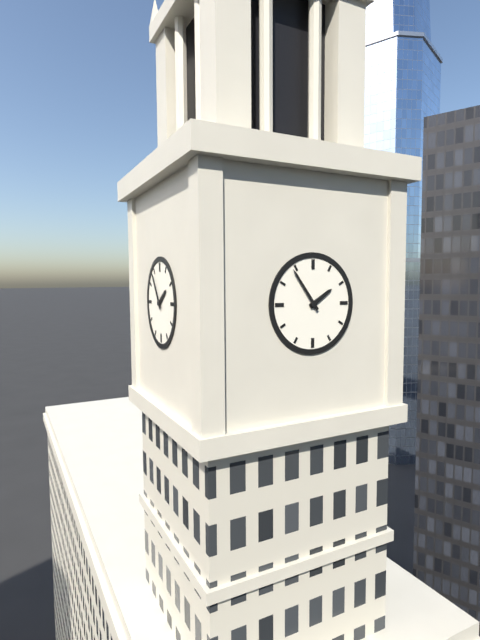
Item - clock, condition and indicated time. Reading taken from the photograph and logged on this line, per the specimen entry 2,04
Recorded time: 1,54
